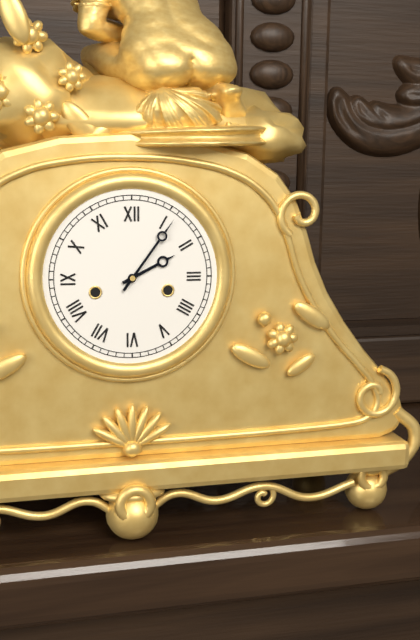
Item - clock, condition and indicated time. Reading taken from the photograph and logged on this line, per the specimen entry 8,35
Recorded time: 2,06
